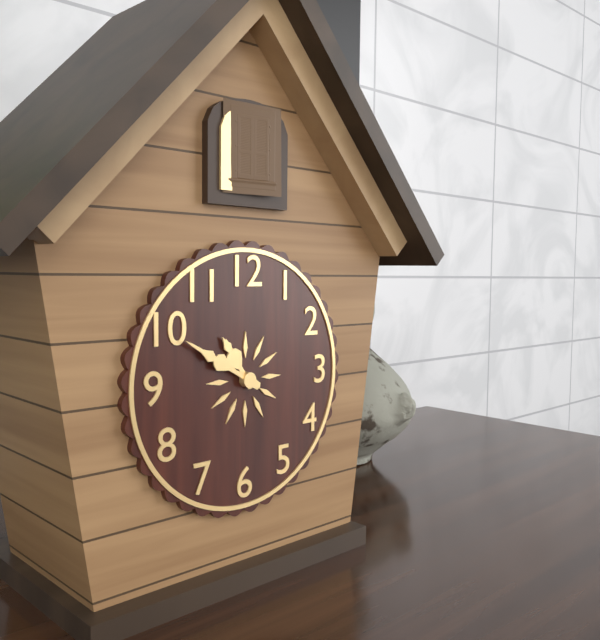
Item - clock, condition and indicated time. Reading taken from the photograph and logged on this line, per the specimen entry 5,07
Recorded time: 10,50
